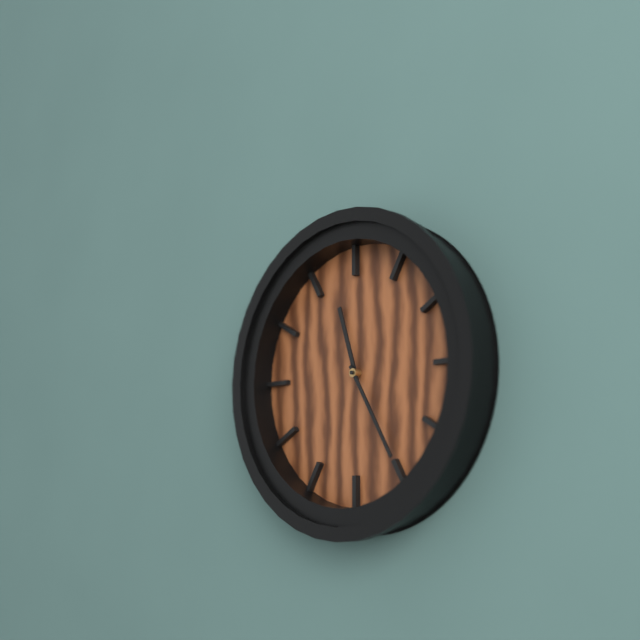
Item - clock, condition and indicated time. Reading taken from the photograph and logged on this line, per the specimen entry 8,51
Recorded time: 11,25
